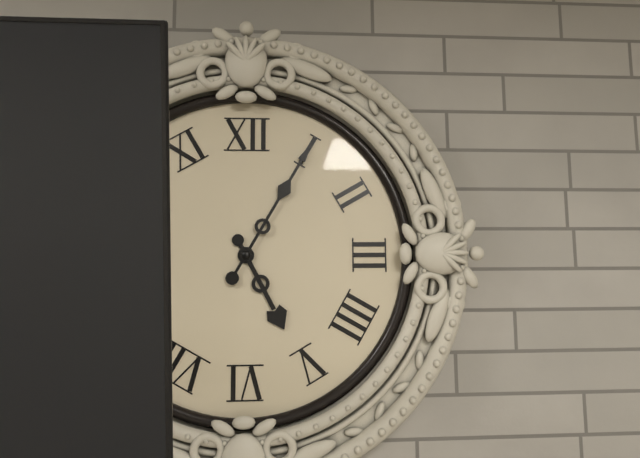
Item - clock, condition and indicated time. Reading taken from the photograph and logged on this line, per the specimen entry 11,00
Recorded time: 5,05
